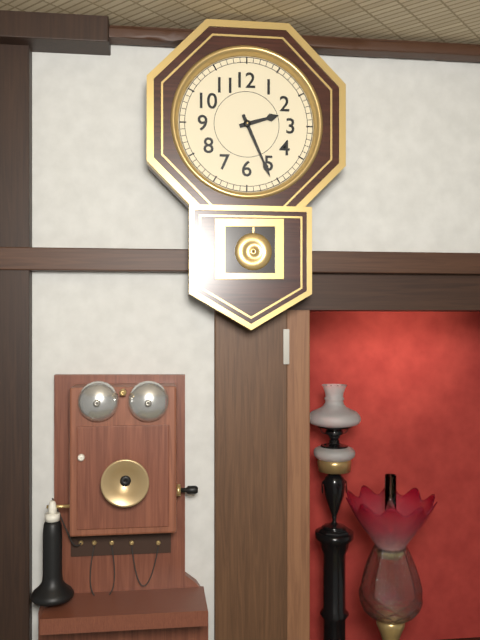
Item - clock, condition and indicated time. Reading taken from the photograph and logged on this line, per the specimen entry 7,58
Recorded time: 2,26
